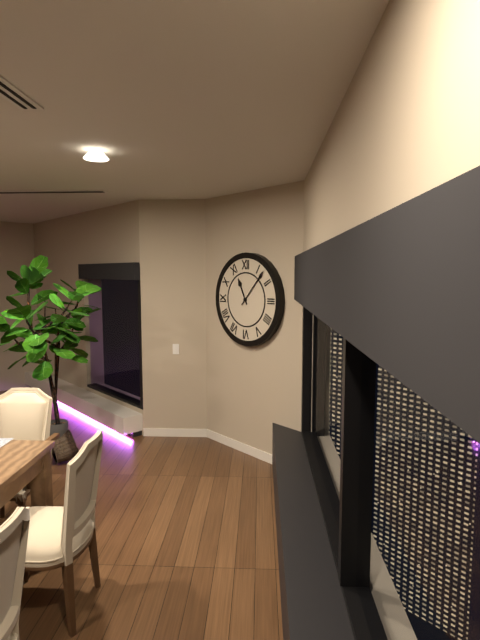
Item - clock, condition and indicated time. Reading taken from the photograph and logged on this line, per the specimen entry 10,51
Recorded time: 11,07
